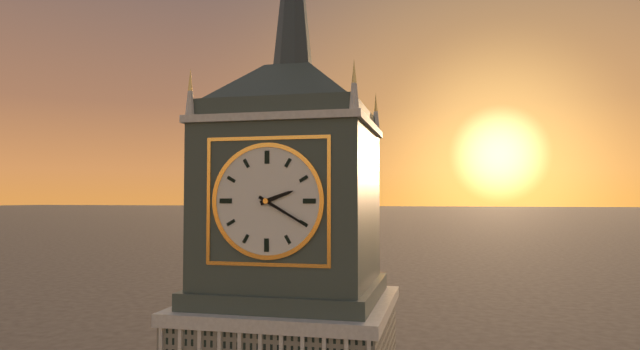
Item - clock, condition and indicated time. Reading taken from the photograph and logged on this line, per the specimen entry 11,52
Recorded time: 2,20
